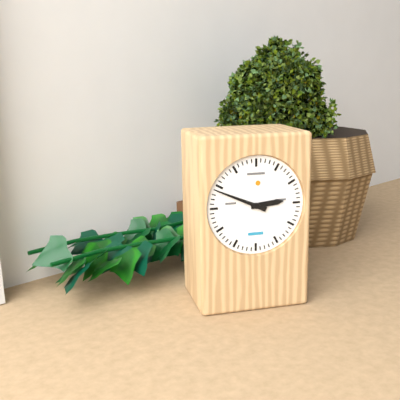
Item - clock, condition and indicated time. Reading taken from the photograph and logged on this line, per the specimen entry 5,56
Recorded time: 2,49
